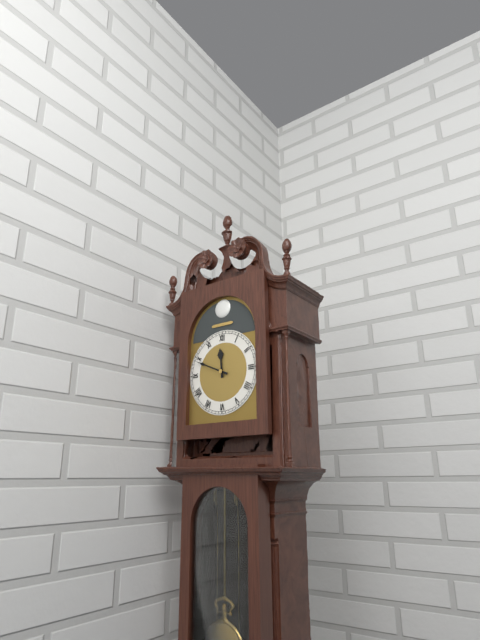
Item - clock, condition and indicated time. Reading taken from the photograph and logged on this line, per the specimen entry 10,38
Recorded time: 11,49
